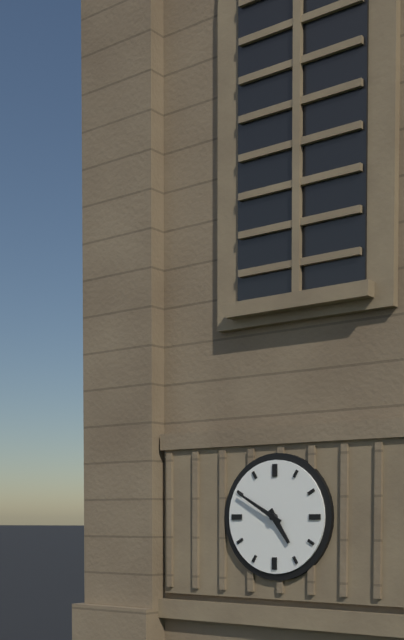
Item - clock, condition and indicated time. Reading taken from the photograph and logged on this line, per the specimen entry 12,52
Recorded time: 4,50
